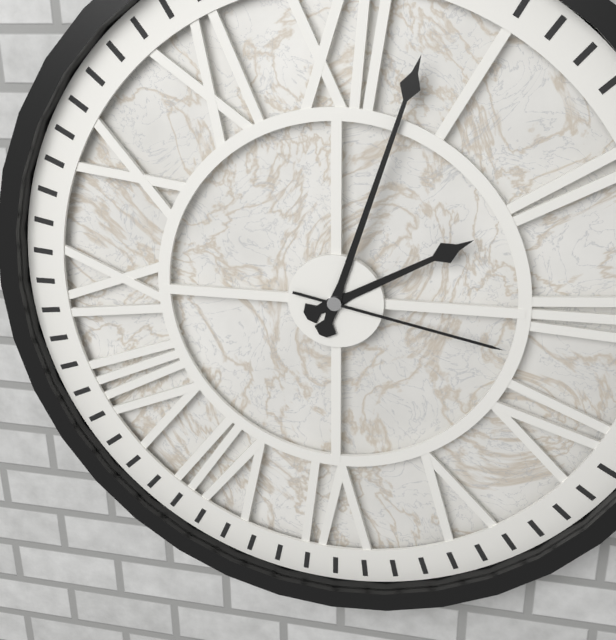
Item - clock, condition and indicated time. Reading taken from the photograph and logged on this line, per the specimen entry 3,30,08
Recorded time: 2,03,17
